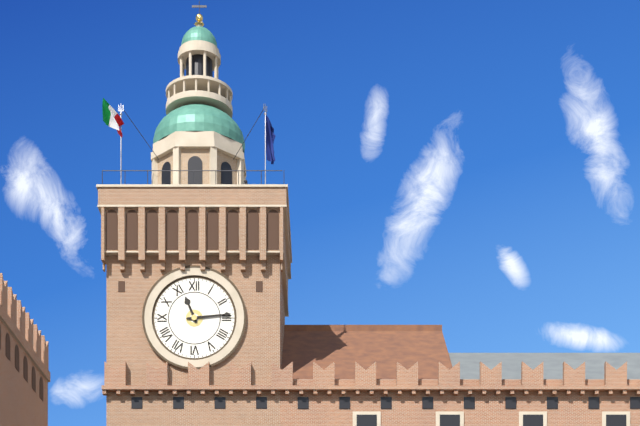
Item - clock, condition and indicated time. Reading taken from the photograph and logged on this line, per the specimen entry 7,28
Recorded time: 11,14
